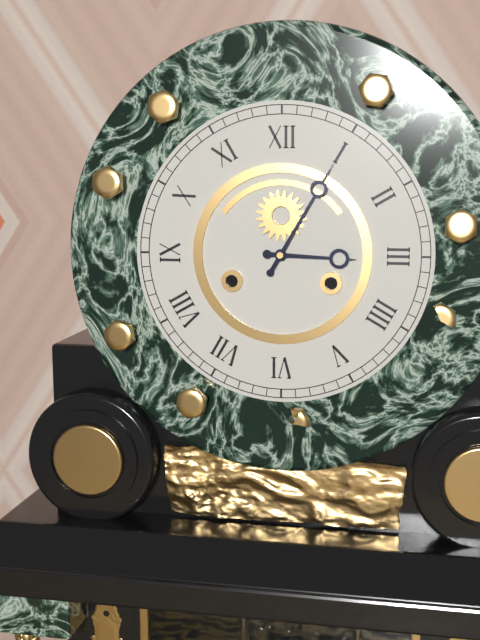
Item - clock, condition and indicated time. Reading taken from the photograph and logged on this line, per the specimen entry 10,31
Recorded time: 3,05
